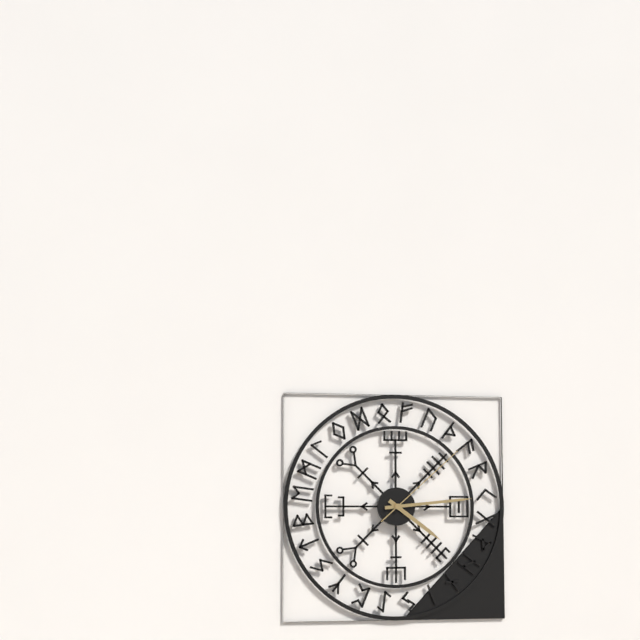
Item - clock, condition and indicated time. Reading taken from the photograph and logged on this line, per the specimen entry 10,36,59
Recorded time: 4,14,08
